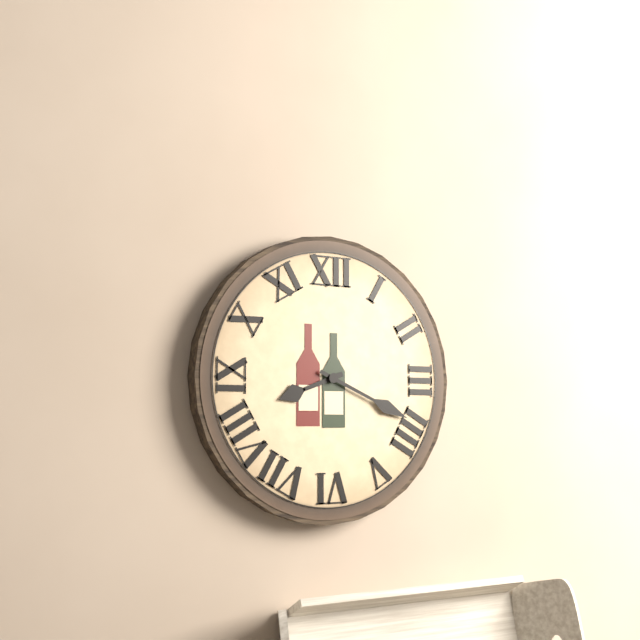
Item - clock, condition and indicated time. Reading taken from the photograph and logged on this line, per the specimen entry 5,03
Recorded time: 8,19
